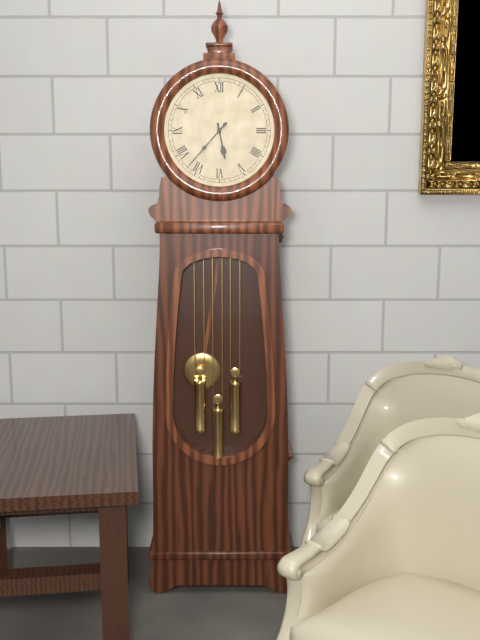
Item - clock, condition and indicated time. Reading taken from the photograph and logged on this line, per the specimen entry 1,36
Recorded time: 5,37
